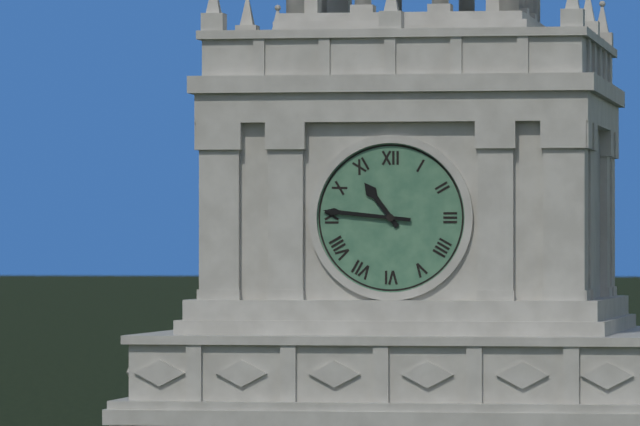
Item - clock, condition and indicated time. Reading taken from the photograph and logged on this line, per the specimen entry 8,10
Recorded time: 10,46
